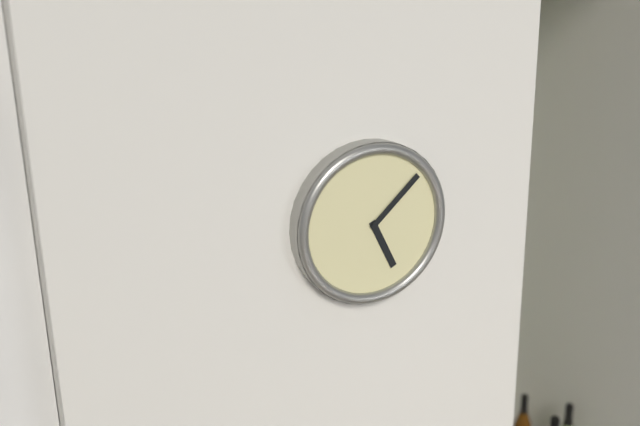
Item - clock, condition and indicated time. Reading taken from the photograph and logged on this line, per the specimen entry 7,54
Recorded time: 5,08
